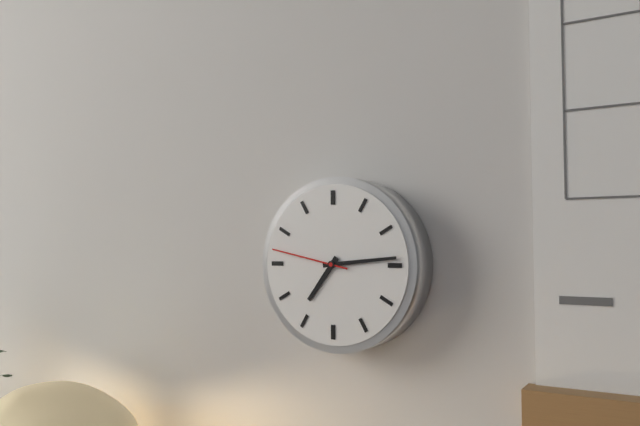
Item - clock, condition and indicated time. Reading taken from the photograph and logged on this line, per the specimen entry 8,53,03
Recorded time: 7,14,47
